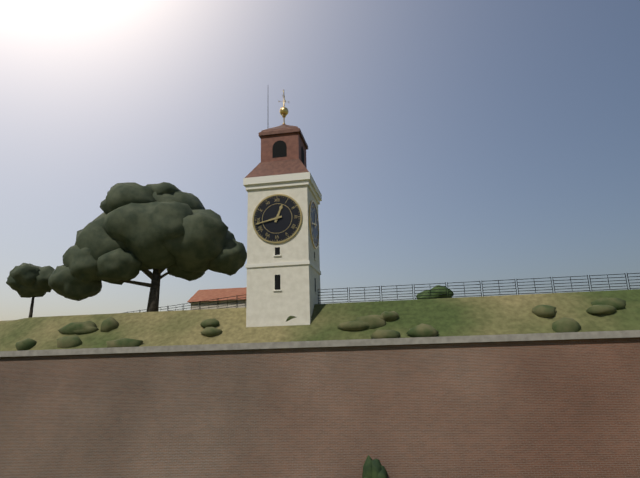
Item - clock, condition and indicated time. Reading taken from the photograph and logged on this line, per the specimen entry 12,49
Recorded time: 12,43
